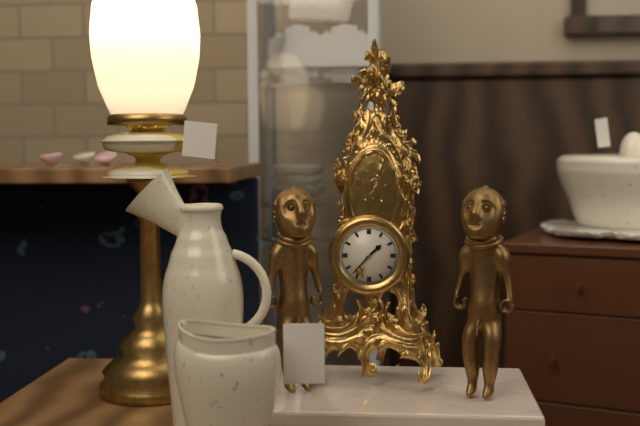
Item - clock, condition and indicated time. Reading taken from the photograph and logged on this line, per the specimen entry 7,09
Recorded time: 1,37
